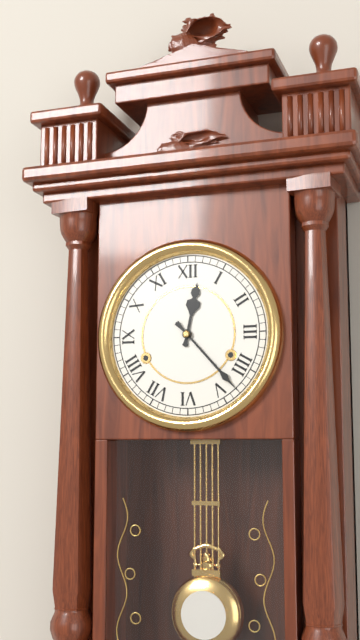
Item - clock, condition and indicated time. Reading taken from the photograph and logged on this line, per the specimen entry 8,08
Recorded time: 12,23
